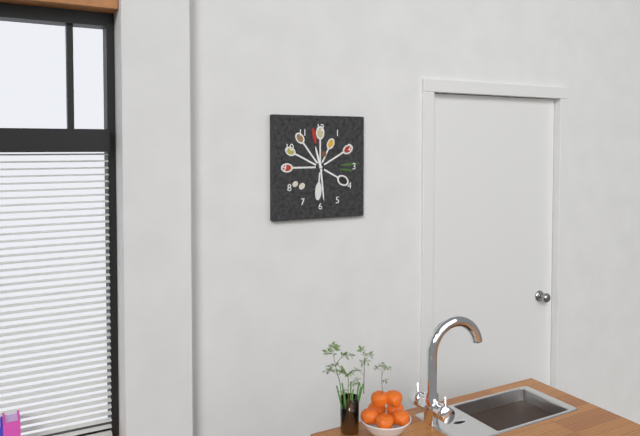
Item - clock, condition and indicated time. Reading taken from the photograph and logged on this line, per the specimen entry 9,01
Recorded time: 11,29
